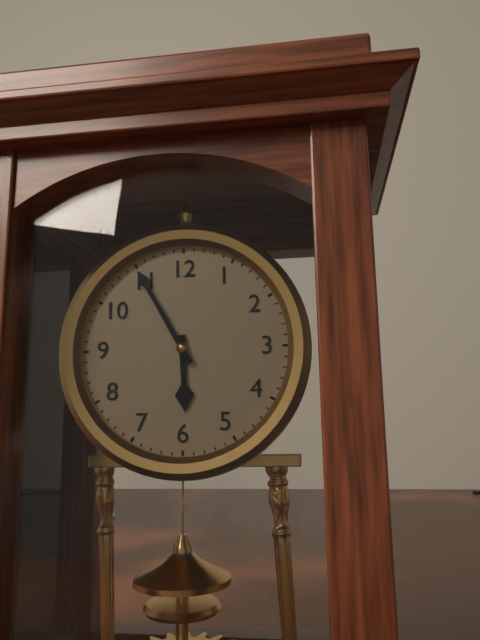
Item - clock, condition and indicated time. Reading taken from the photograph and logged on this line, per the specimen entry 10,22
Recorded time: 5,55
